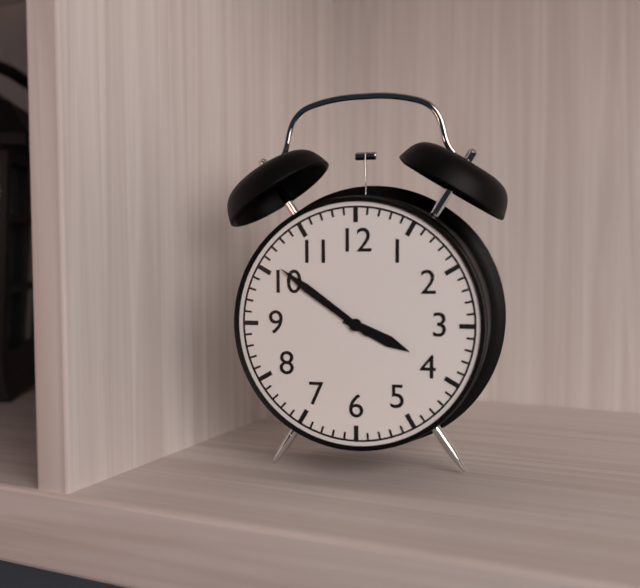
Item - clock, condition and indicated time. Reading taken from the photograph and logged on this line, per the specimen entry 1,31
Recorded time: 3,51
